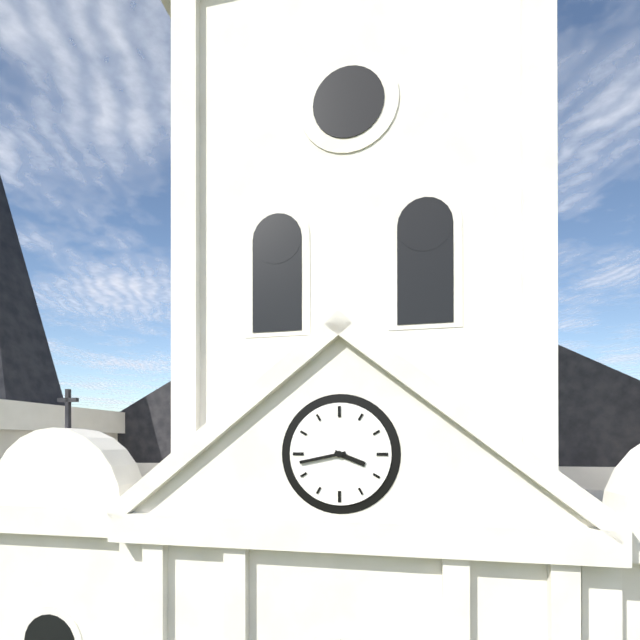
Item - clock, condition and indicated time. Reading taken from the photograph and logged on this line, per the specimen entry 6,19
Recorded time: 3,43
